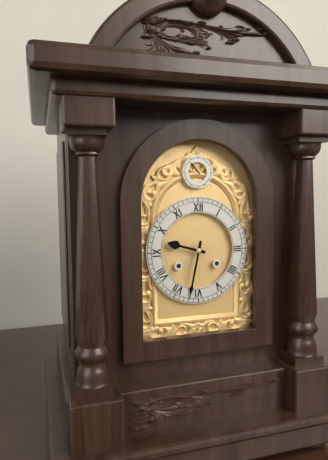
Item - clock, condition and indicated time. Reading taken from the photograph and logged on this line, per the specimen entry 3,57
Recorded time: 9,32
